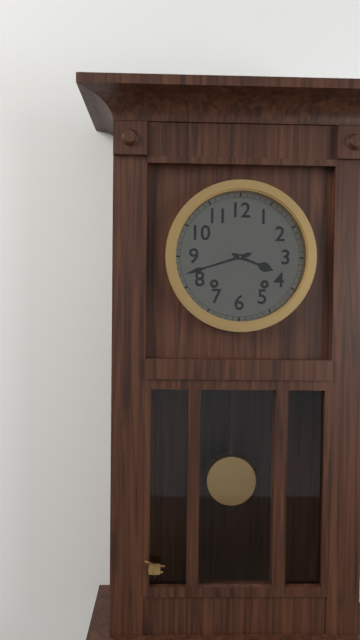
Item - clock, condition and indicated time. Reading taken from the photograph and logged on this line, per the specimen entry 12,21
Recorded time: 3,42
